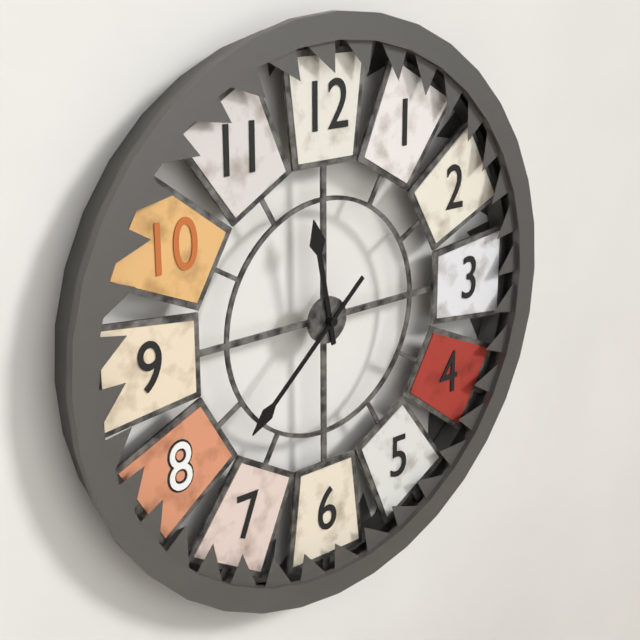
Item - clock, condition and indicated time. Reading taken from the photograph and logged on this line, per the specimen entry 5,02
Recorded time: 11,38
